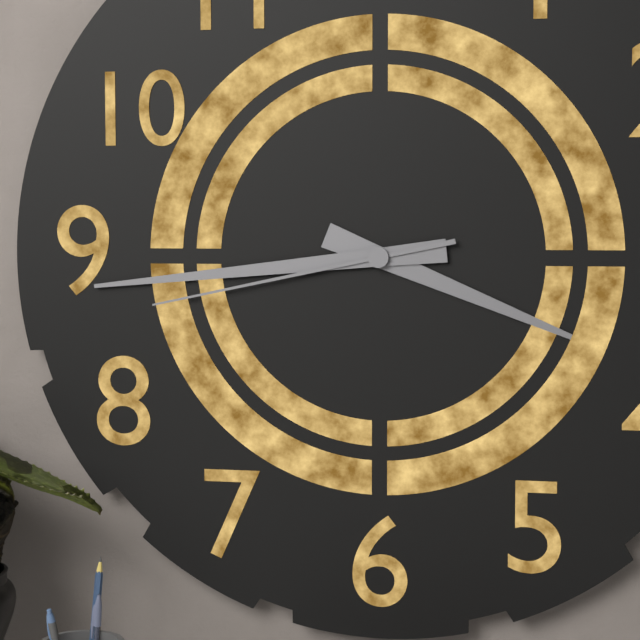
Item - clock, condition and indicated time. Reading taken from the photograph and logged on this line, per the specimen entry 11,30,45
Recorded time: 3,44,43
